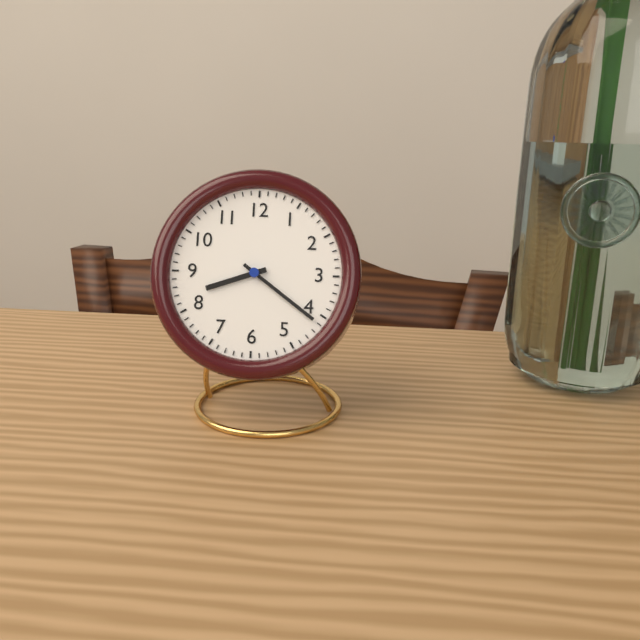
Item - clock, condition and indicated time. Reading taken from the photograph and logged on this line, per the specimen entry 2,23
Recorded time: 8,21
